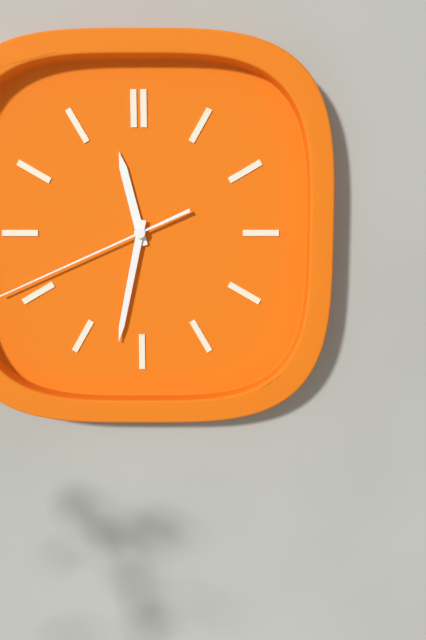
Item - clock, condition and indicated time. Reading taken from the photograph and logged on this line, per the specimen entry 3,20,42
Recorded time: 11,32,41
